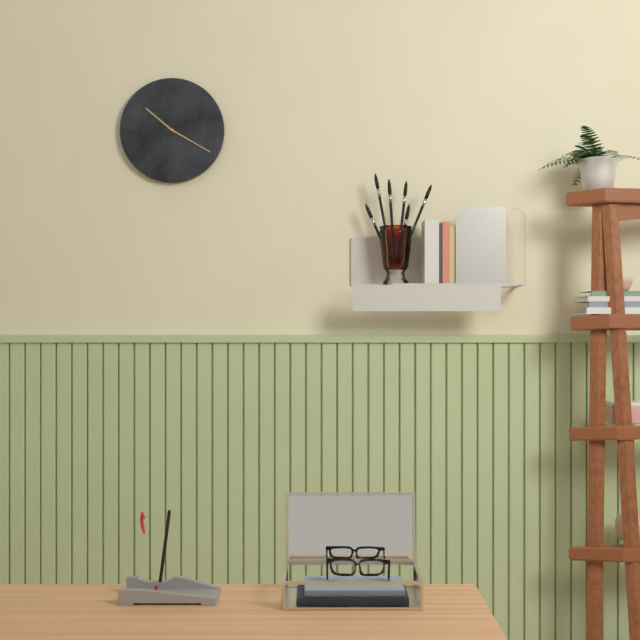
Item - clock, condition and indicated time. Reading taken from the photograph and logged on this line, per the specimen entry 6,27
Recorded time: 10,20
